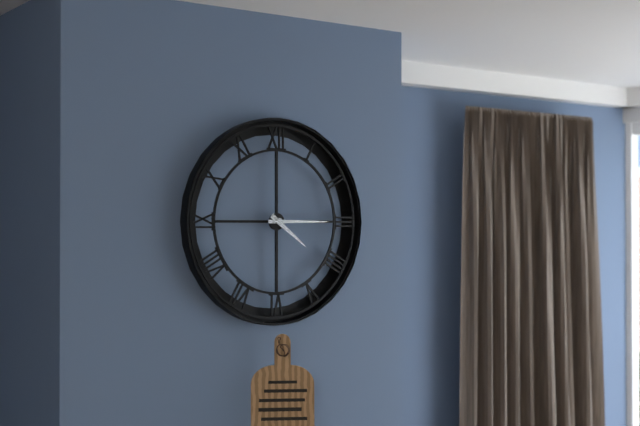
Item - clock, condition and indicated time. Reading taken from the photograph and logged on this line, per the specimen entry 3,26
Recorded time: 4,15
